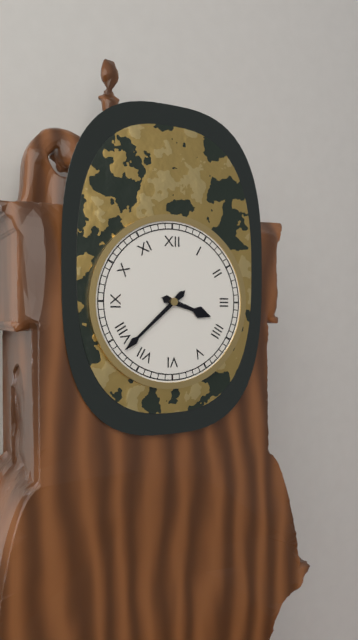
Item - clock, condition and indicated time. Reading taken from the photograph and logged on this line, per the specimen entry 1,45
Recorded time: 3,38
